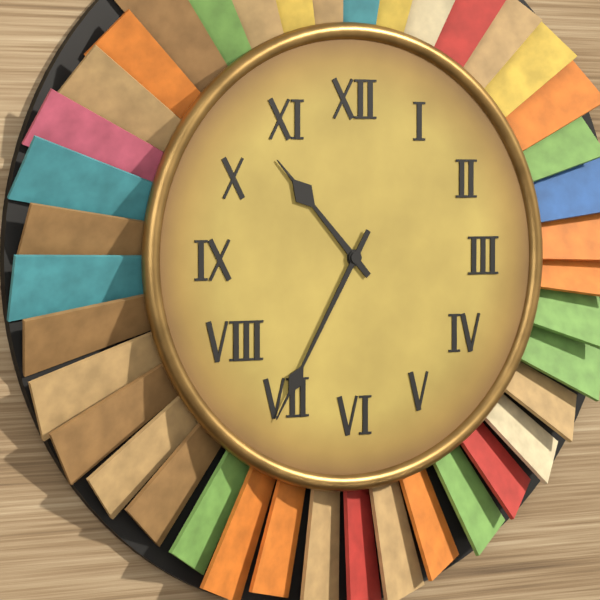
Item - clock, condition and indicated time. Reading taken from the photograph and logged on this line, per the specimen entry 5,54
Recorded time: 10,35
